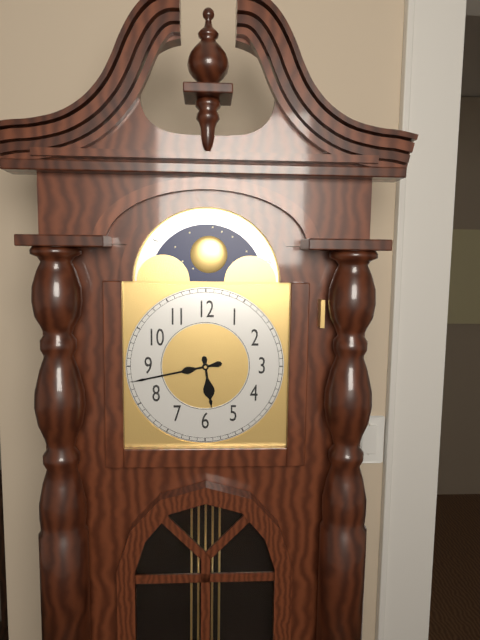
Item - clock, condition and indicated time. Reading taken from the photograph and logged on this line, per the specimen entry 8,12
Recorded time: 5,43
